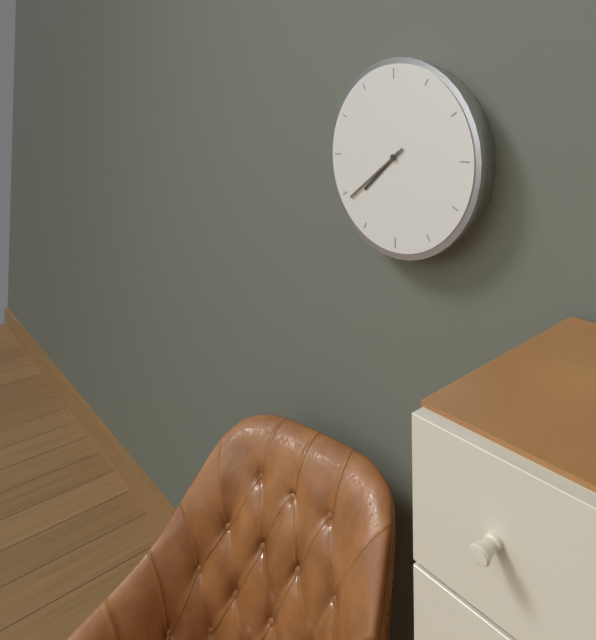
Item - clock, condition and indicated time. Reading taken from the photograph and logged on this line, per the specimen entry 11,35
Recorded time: 7,39
